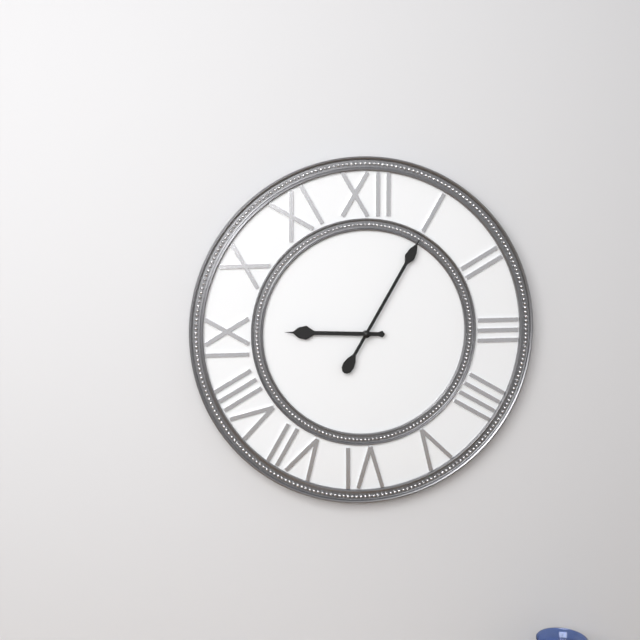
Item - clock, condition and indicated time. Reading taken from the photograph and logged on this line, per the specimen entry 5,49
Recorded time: 9,05
